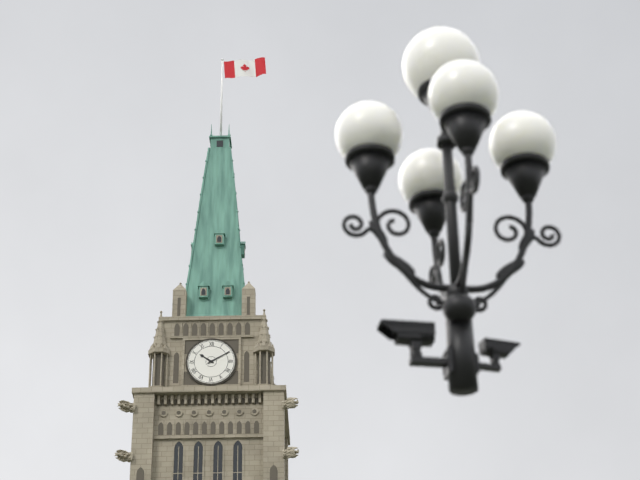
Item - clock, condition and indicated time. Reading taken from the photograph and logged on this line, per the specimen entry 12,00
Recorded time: 10,10
